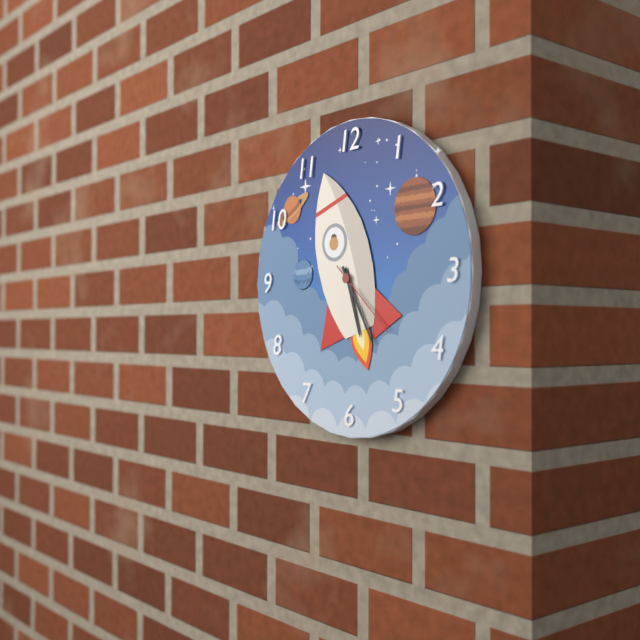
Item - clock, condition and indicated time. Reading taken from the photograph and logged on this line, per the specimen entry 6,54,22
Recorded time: 5,25,22
